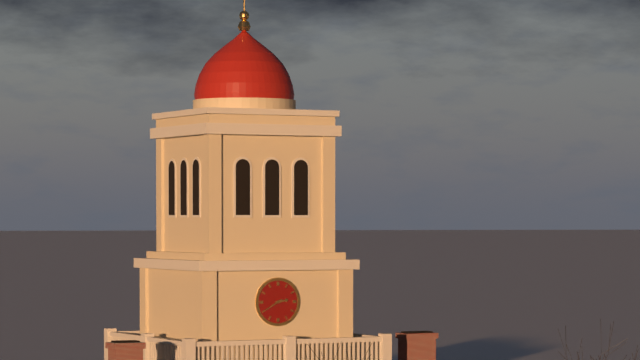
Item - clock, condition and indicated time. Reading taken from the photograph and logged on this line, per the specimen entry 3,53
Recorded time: 2,40
